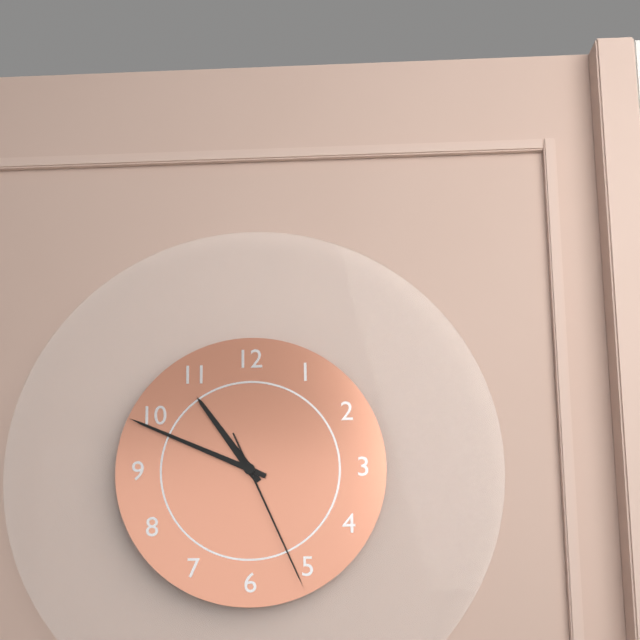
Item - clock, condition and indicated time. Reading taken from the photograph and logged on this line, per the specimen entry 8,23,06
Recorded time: 10,49,26
